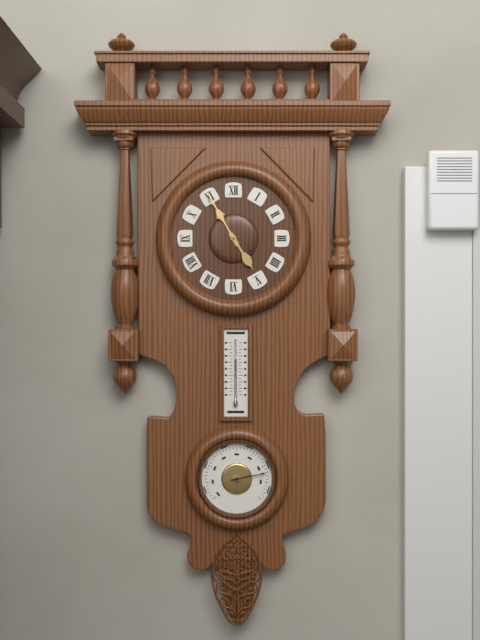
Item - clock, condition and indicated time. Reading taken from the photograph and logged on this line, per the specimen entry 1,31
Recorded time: 4,55
